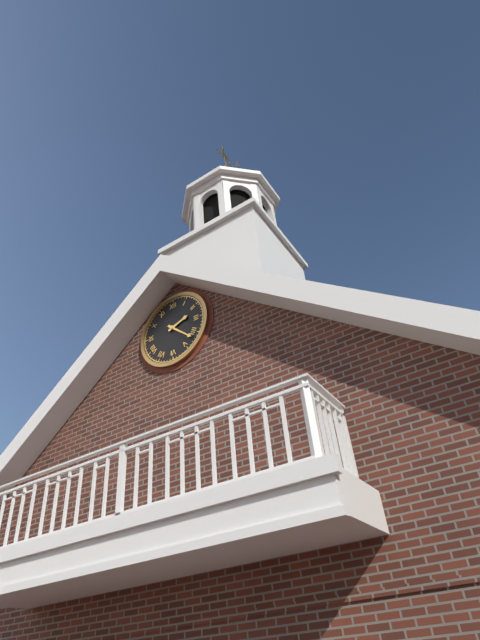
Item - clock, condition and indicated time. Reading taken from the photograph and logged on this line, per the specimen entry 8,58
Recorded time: 2,22
